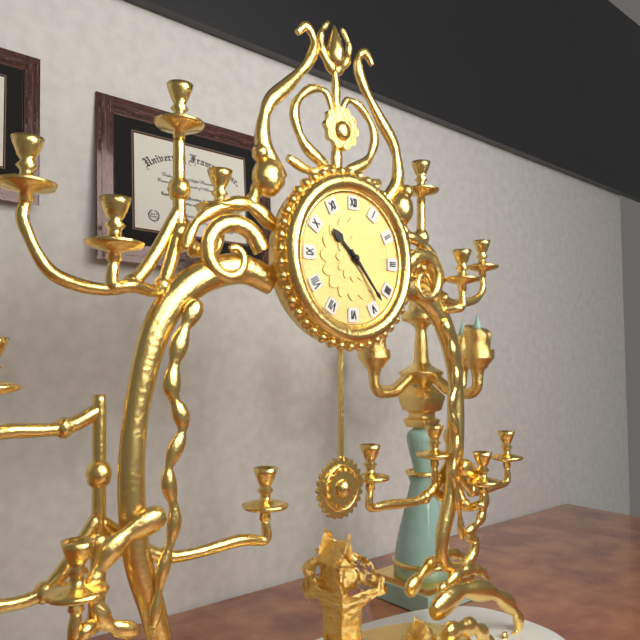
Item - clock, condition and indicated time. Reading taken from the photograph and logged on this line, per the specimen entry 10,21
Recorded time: 10,23
